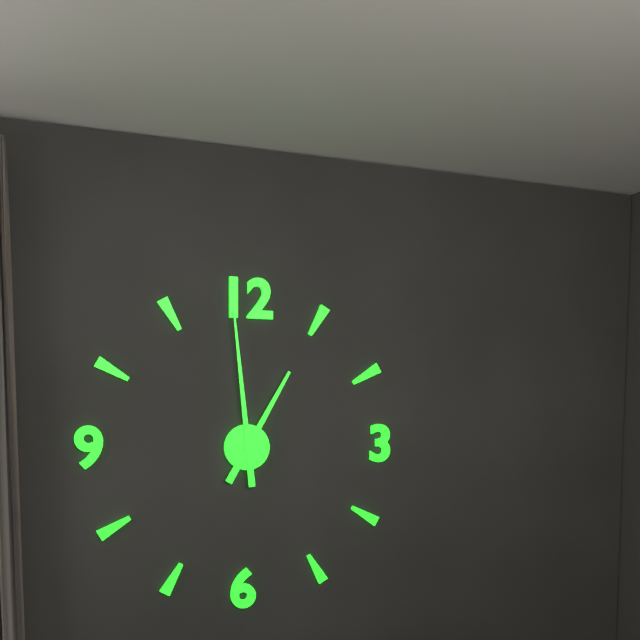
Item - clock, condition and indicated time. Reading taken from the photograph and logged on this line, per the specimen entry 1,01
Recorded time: 12,59
